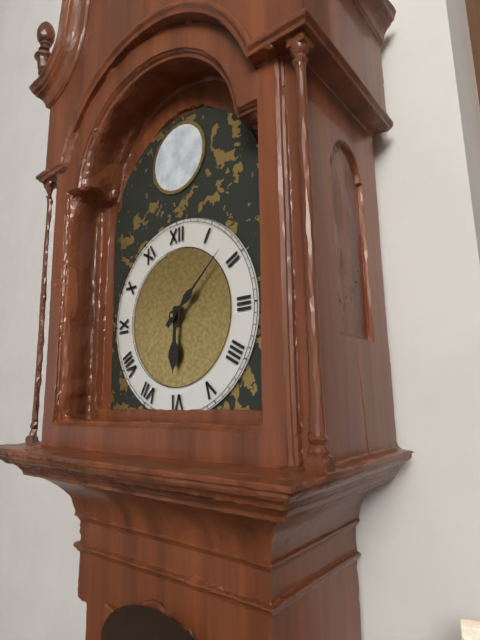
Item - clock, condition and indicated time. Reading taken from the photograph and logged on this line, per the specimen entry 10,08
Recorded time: 6,08
